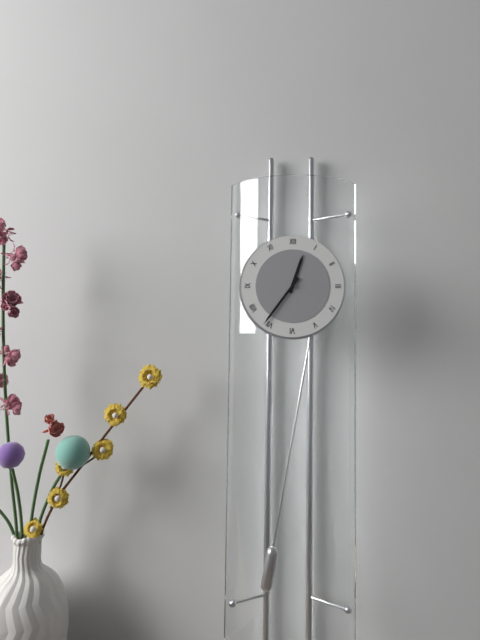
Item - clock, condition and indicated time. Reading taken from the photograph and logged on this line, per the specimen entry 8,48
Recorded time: 12,36
